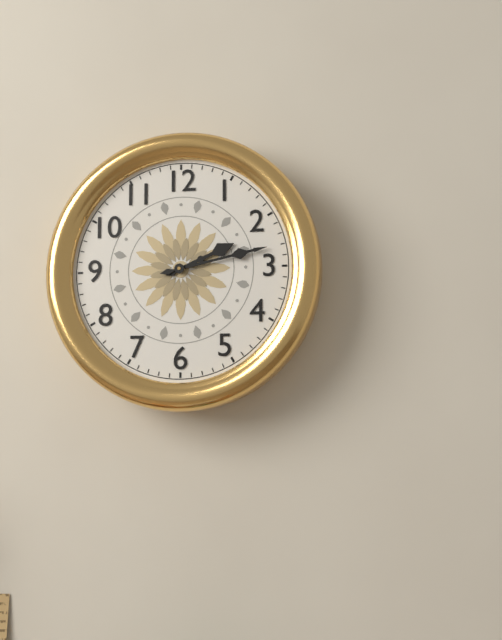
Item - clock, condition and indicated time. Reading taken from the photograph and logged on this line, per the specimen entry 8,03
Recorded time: 2,13
